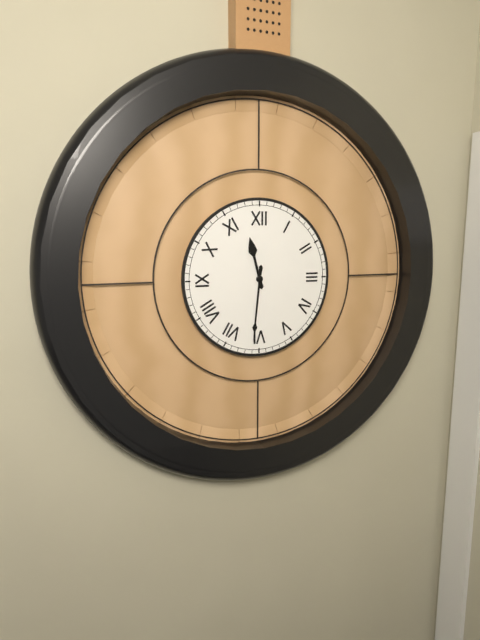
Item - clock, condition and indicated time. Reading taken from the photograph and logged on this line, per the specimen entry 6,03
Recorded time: 11,31
